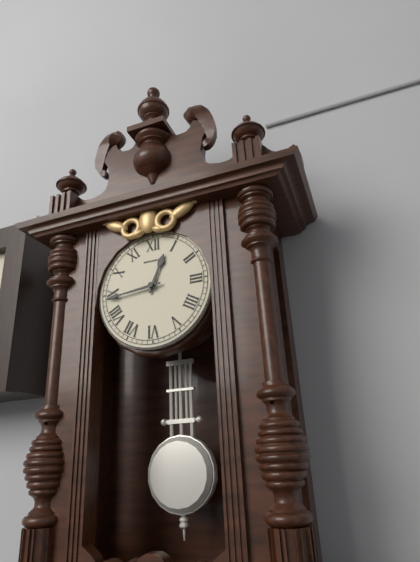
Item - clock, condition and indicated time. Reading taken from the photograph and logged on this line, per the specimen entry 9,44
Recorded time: 12,44
